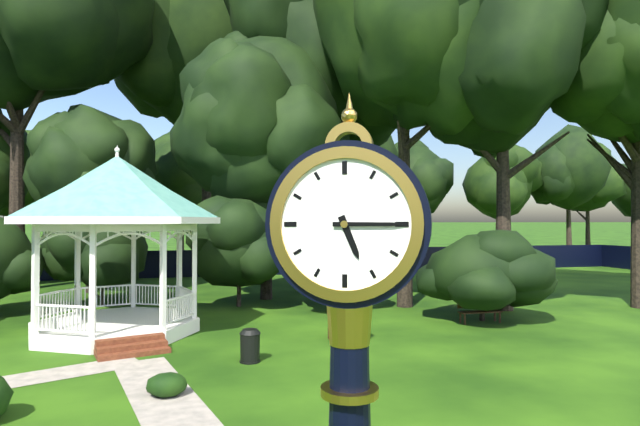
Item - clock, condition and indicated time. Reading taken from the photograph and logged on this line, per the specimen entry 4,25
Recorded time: 5,15
